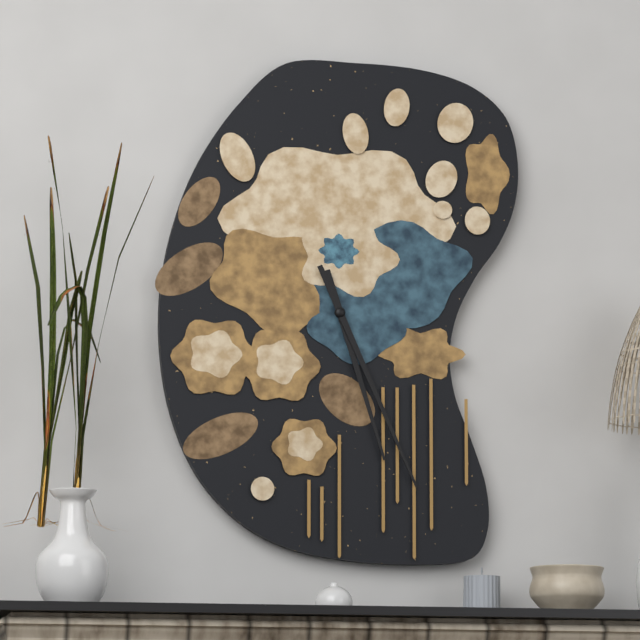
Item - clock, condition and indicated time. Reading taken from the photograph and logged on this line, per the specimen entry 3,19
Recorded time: 5,26
